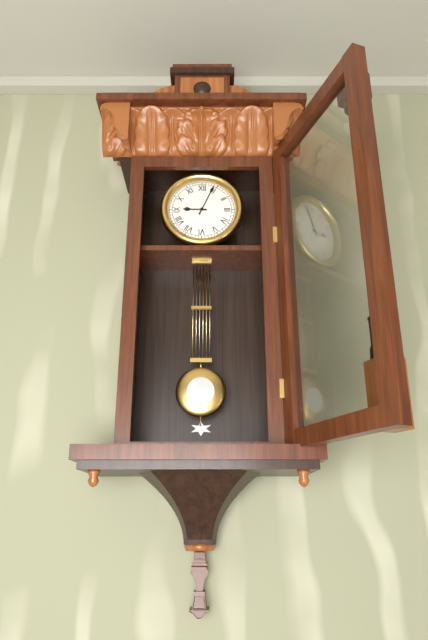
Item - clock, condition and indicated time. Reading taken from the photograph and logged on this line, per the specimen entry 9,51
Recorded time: 9,04
